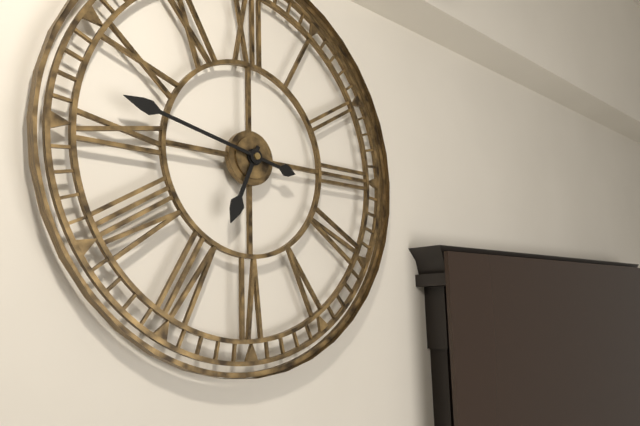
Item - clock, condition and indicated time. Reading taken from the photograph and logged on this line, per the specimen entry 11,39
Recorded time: 6,47
